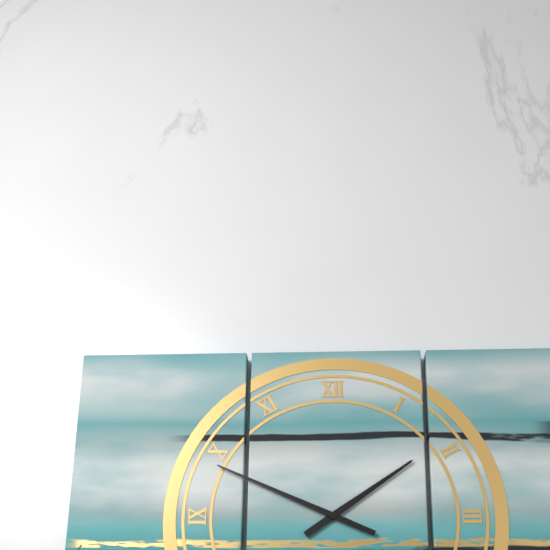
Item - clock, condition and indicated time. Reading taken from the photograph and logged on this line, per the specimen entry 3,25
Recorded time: 1,49
